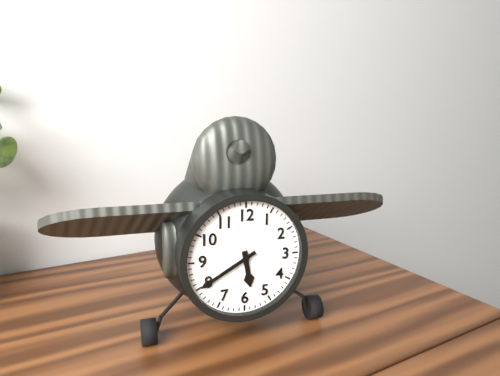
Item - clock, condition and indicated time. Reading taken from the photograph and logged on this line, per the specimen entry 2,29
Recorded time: 5,40
